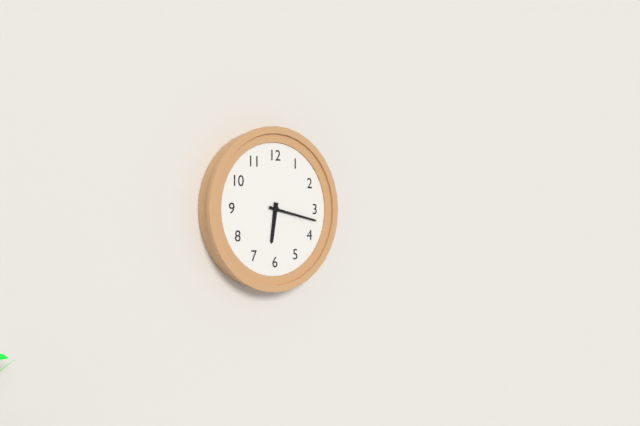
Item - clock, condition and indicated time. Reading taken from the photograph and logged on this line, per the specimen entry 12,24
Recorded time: 6,17
